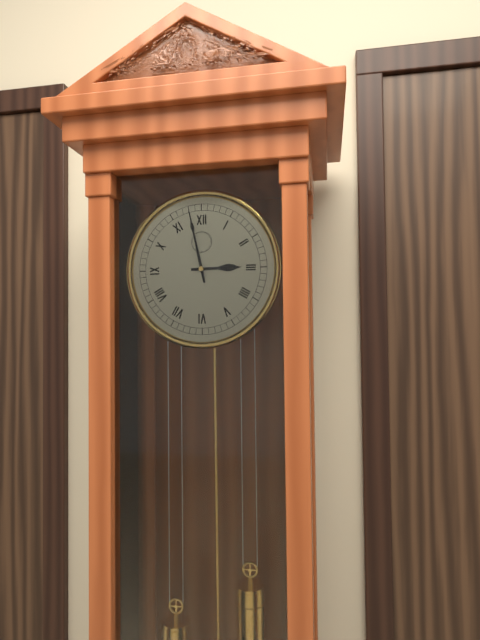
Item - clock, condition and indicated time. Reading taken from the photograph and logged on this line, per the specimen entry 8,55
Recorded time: 2,58
